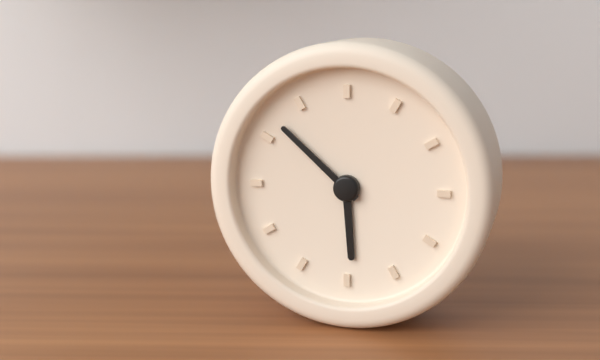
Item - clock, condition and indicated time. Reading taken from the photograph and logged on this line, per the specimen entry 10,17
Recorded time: 5,52
